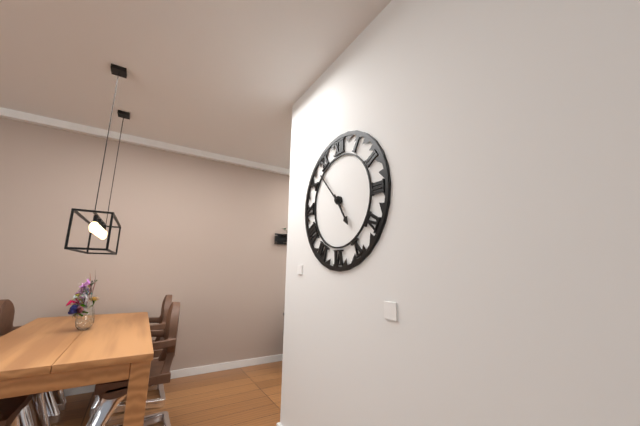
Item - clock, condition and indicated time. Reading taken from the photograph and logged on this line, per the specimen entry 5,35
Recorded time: 4,53
